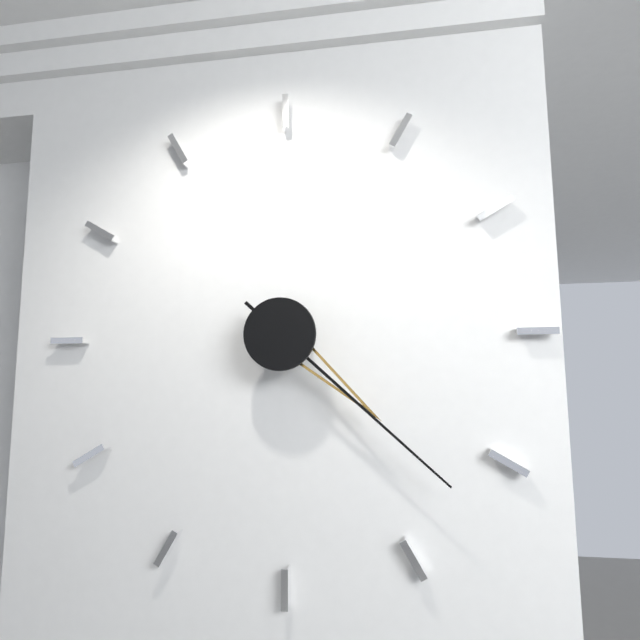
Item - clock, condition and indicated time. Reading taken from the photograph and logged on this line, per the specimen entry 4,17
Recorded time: 4,22
